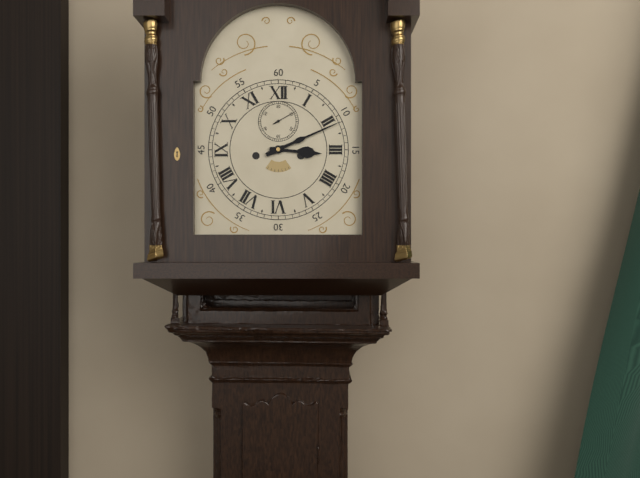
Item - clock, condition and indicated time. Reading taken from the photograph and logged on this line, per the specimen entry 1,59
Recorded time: 3,11
